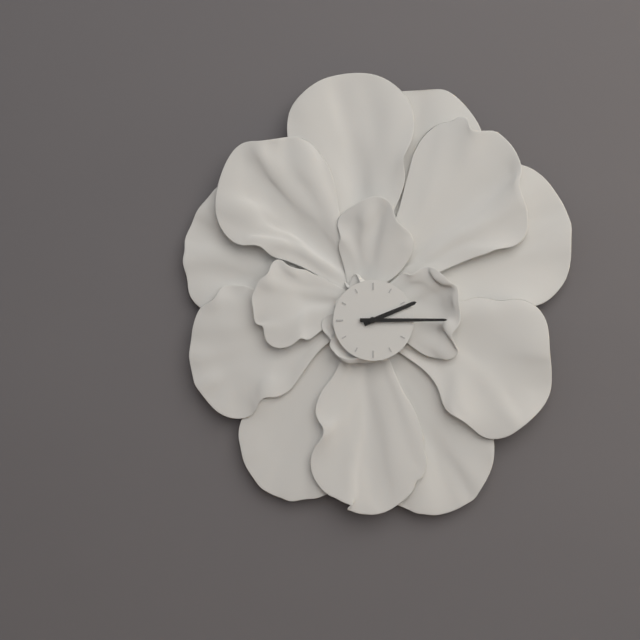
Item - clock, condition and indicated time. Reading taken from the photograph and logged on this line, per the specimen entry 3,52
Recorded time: 2,15
